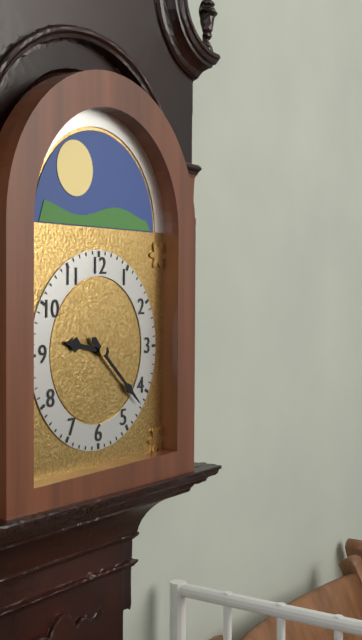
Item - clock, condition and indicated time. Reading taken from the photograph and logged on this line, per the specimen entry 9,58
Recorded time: 9,22
